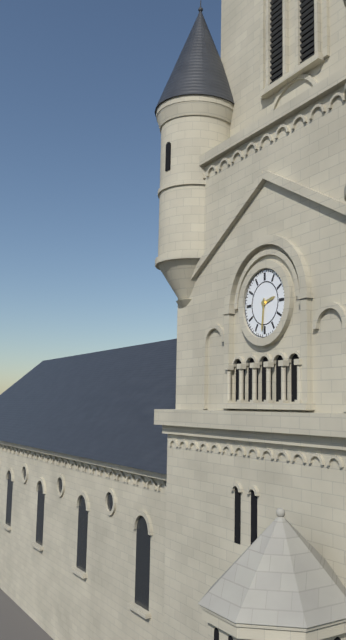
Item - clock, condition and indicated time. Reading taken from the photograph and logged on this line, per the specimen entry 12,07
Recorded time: 2,31
